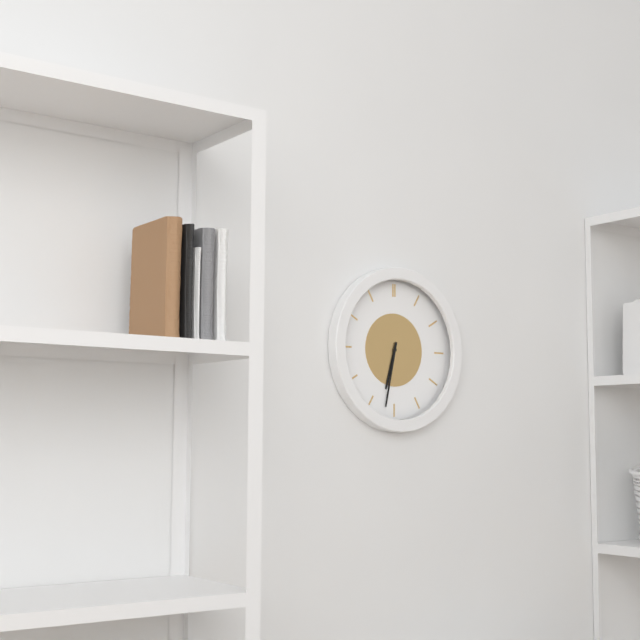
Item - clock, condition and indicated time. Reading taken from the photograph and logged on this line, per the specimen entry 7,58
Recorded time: 6,32
